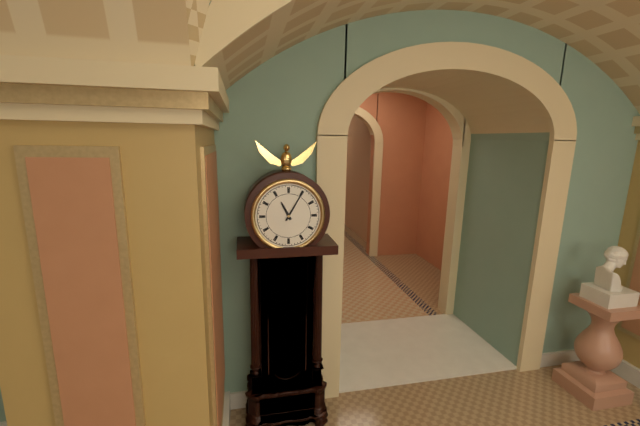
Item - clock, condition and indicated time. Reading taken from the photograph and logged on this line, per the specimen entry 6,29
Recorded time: 11,05
